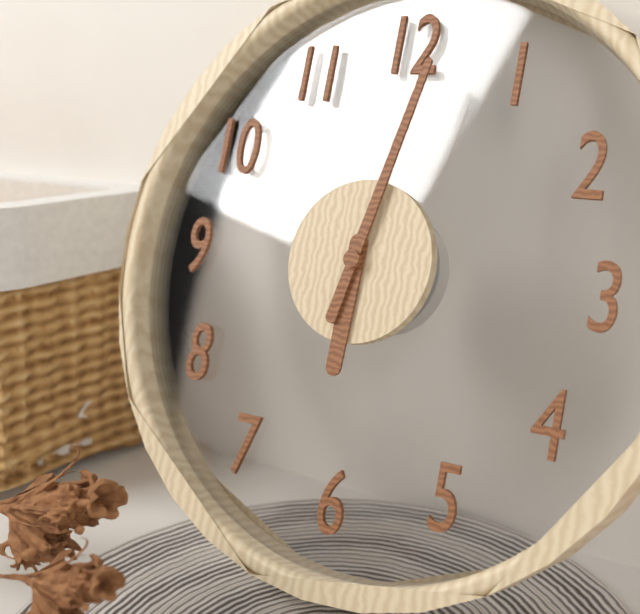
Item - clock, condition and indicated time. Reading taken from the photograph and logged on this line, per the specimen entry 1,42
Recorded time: 6,02
